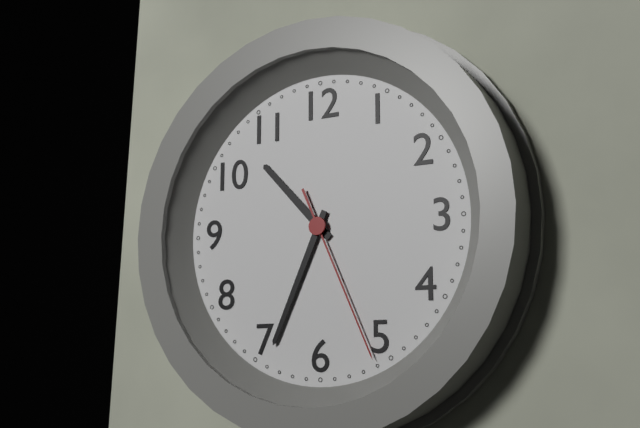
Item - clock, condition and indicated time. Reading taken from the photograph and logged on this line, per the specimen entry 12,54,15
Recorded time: 10,34,26
